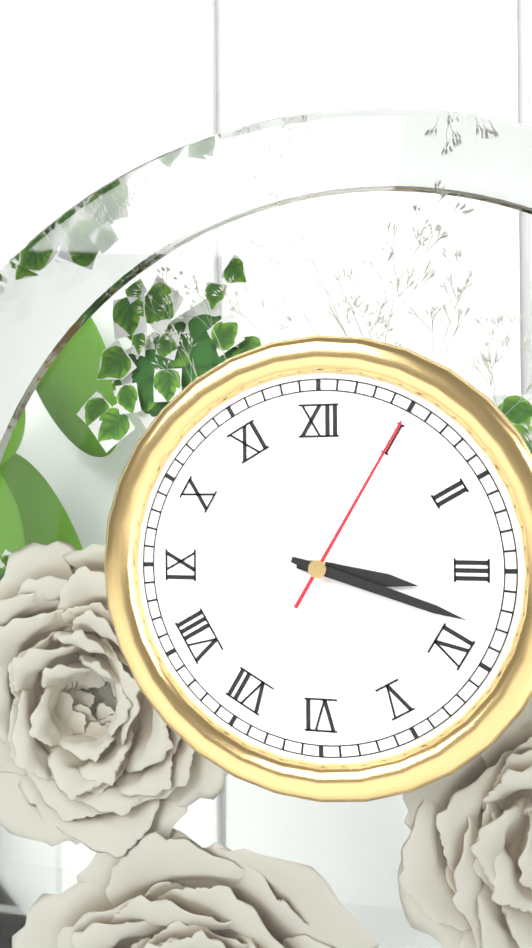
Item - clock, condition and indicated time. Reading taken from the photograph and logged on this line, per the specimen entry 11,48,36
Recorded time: 3,18,05
